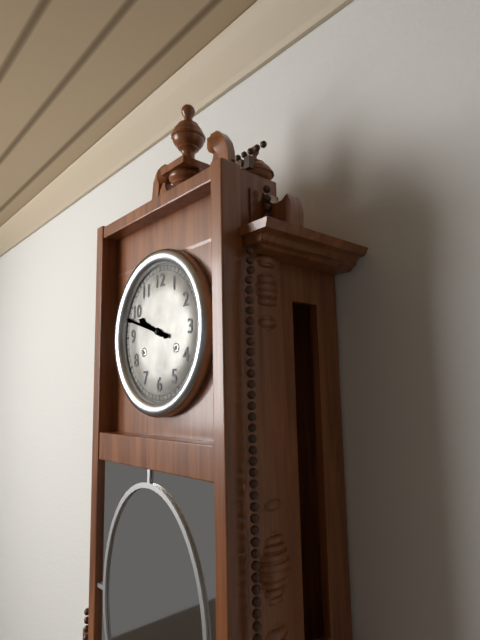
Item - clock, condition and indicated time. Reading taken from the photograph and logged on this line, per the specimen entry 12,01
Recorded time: 9,48
